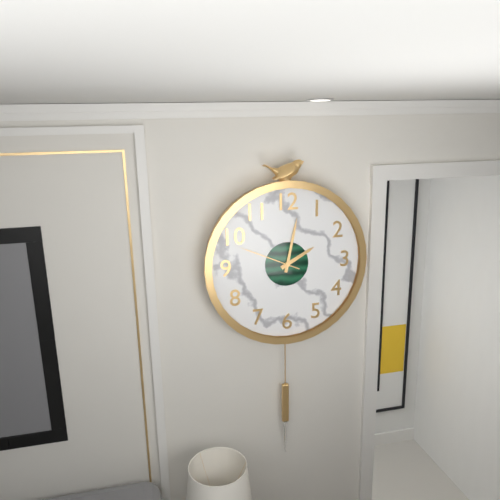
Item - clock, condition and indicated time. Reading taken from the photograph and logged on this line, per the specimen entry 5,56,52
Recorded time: 2,02,49
